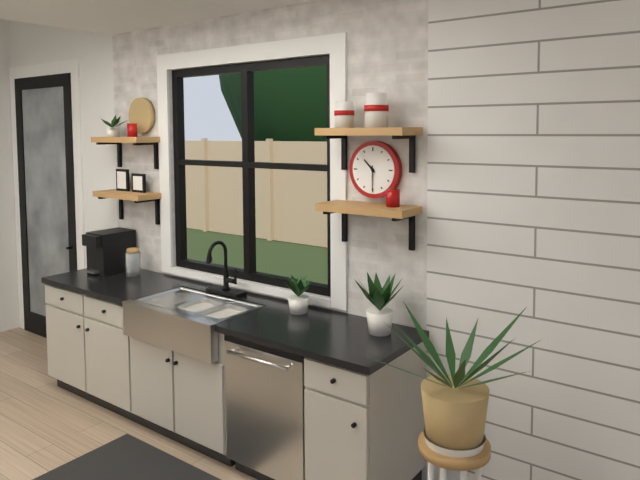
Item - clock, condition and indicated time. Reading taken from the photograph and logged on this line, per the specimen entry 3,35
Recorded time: 10,30
